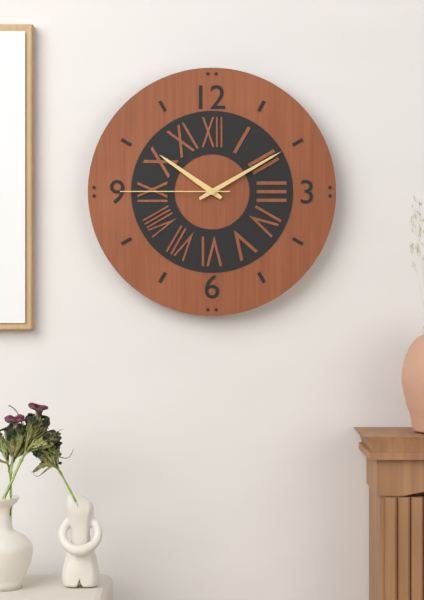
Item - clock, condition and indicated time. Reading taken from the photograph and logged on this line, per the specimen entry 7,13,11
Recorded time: 10,10,45
